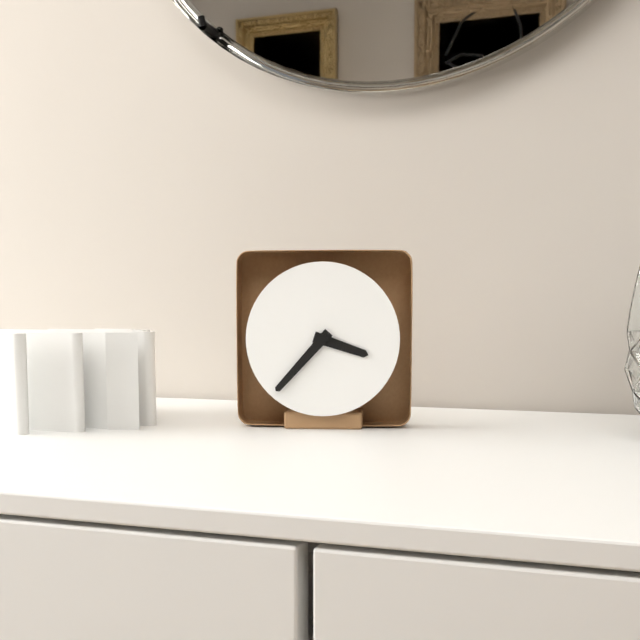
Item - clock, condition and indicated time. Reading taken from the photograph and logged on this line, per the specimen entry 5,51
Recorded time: 3,37
